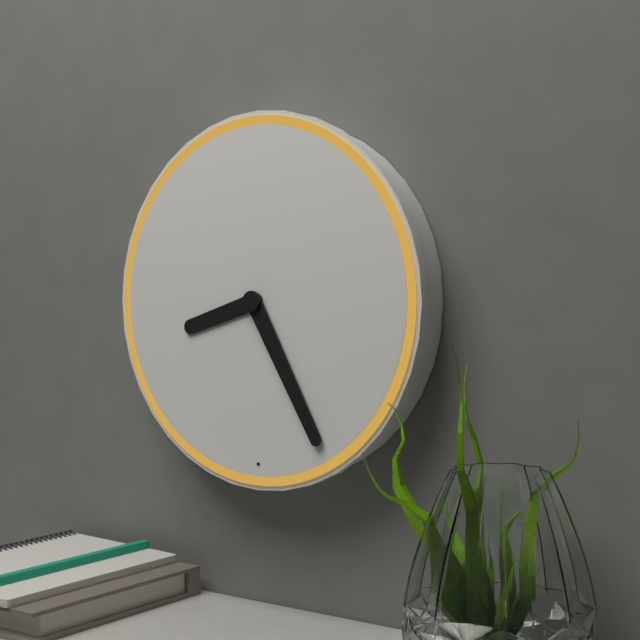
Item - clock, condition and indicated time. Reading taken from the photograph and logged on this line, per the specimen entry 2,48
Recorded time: 8,25
